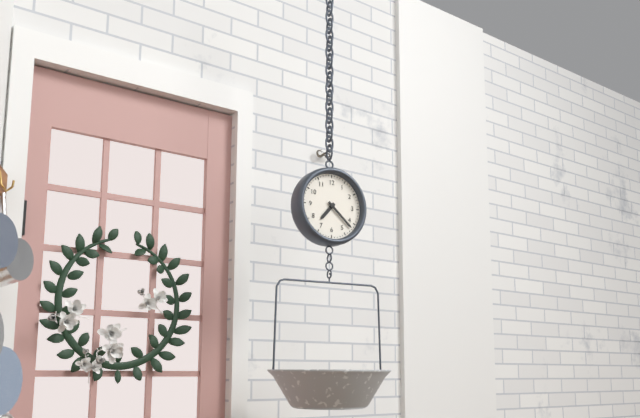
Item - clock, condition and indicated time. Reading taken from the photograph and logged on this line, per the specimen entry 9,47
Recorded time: 7,22
